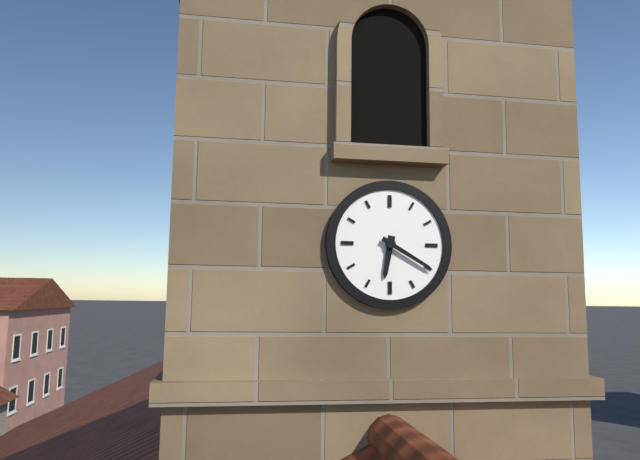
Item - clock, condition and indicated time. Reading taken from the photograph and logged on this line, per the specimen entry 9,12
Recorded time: 6,20
